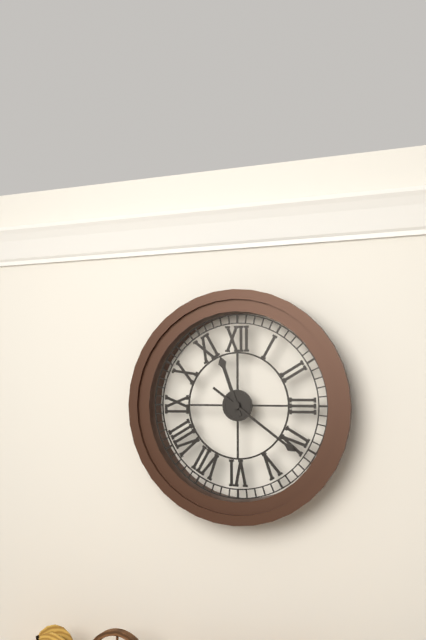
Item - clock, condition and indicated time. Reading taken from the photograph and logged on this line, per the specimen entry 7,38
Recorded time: 11,21
